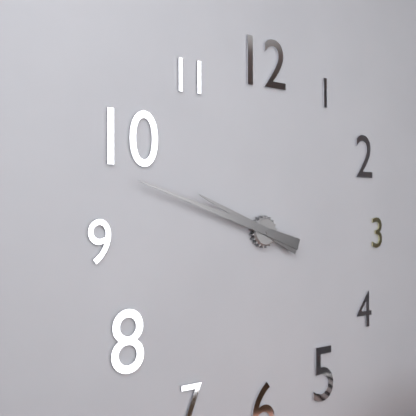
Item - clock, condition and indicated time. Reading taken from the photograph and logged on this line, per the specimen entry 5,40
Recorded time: 9,48
